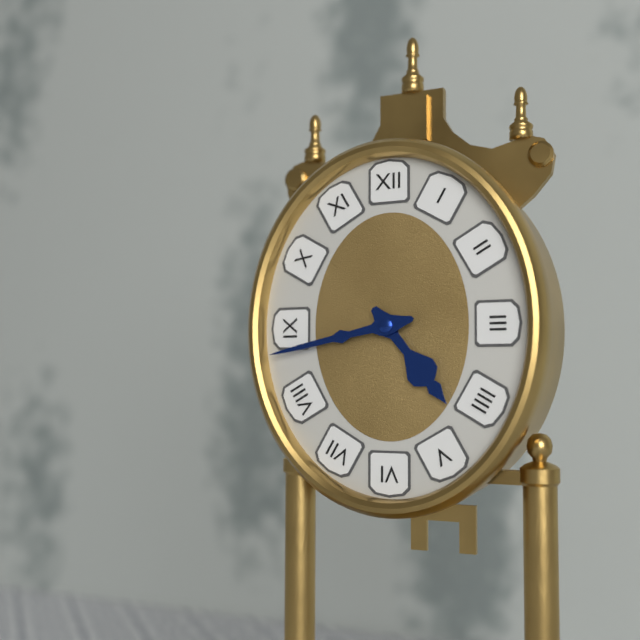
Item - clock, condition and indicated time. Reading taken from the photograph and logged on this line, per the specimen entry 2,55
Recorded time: 4,43
